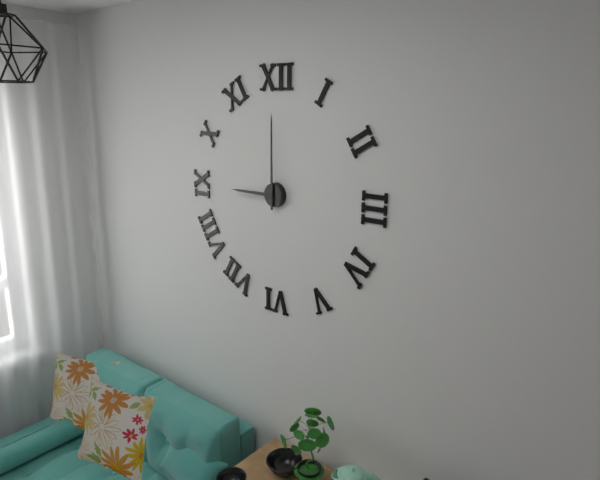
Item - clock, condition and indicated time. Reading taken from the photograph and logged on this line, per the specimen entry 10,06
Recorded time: 9,00
